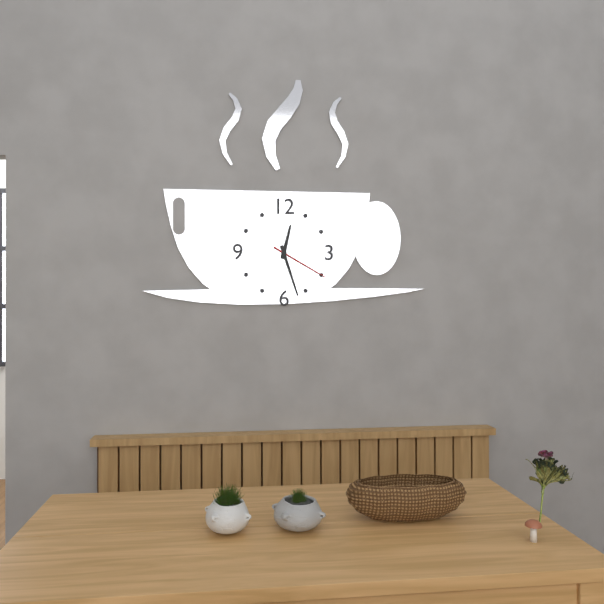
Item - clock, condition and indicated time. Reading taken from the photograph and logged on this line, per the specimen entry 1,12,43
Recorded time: 12,27,20
